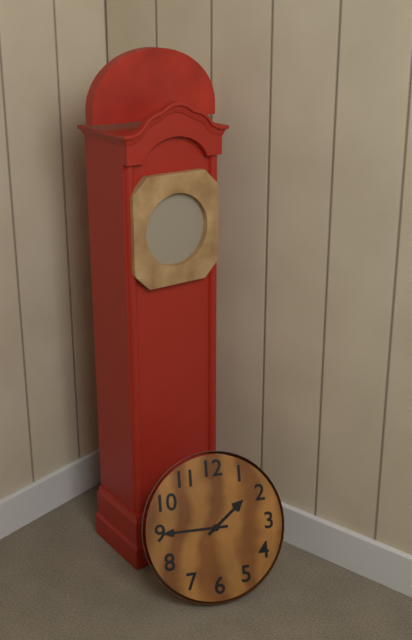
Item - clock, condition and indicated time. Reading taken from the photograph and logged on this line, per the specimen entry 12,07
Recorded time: 1,45
